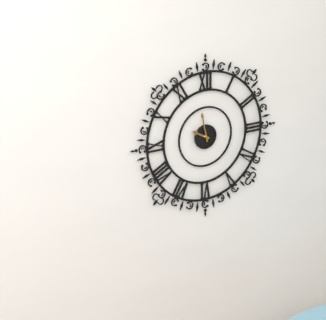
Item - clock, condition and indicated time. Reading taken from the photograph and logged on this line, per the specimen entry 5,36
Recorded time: 9,58
